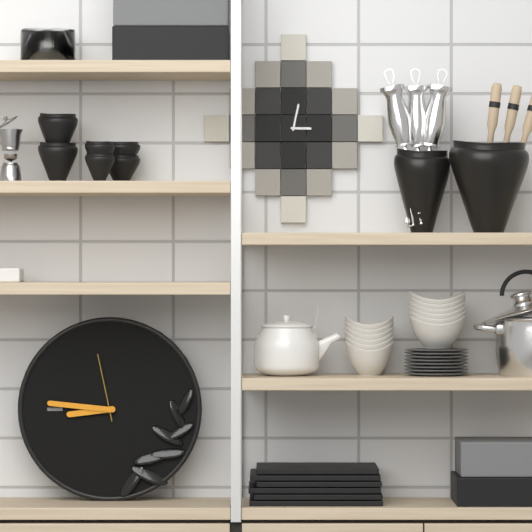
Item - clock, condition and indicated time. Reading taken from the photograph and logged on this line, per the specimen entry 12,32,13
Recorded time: 8,46,58
